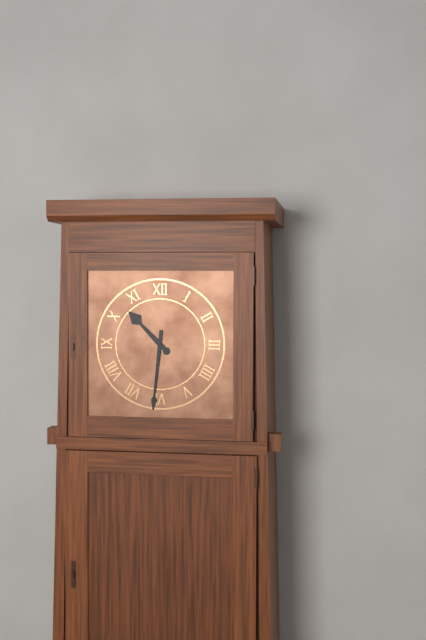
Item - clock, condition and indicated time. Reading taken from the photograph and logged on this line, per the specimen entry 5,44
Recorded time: 10,31
